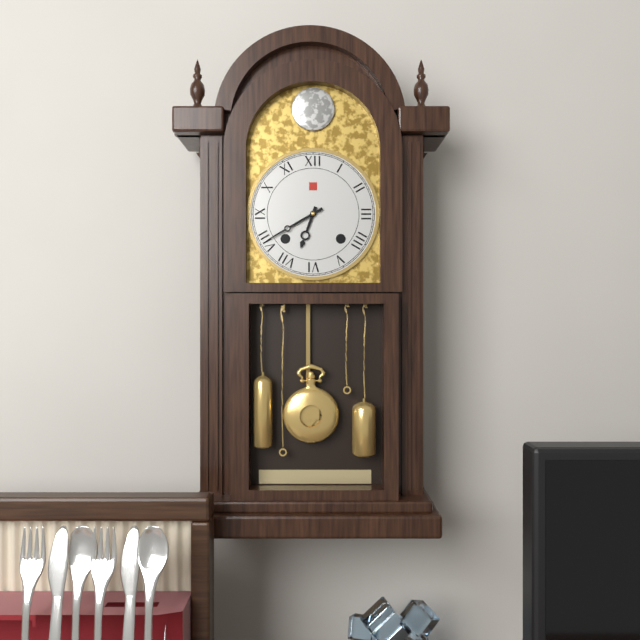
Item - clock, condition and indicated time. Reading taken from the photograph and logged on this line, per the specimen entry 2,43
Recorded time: 6,40
